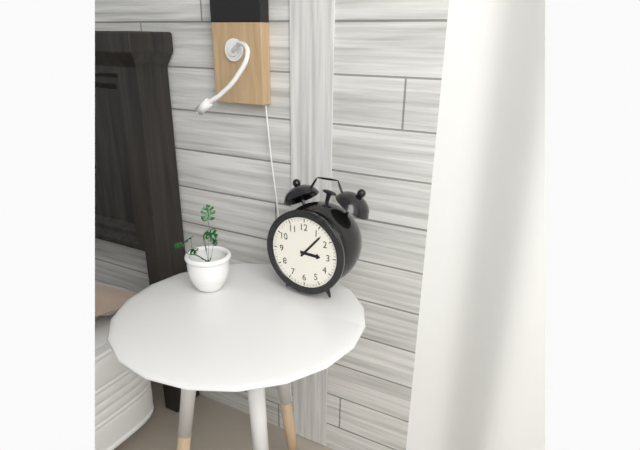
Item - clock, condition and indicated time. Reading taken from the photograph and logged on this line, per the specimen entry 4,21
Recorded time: 3,07
